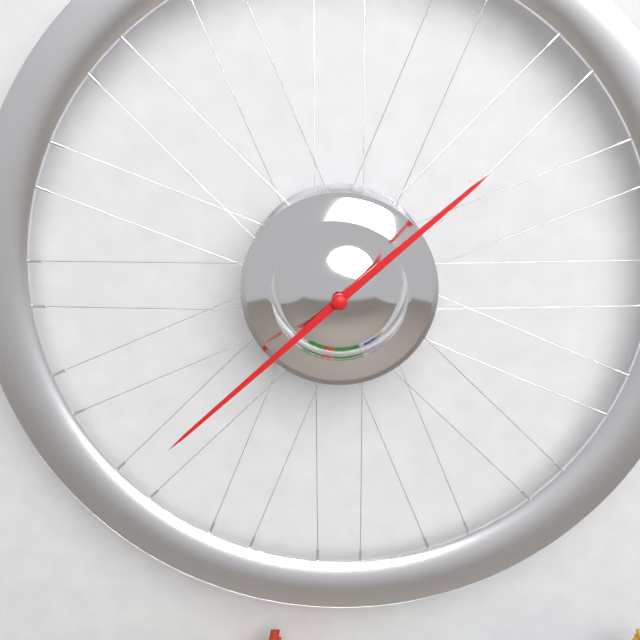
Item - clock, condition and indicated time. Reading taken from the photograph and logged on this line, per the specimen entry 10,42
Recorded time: 1,38
